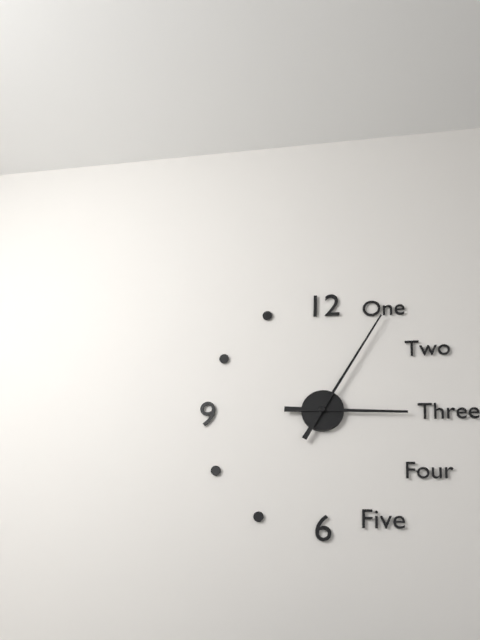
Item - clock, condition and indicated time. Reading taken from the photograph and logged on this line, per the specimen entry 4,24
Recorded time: 3,05
